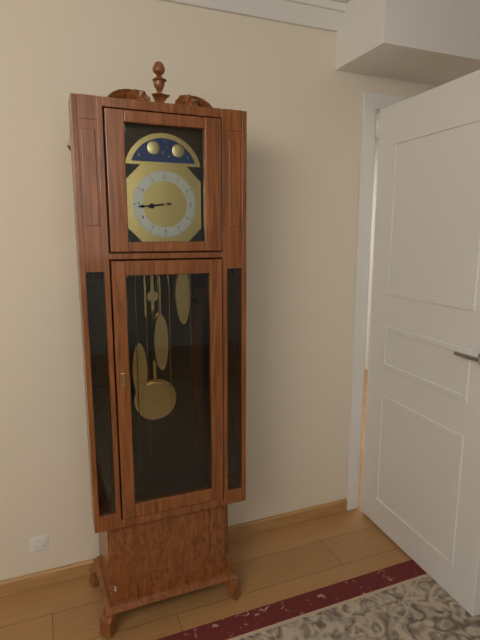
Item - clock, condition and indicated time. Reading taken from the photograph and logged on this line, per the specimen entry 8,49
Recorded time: 8,44
